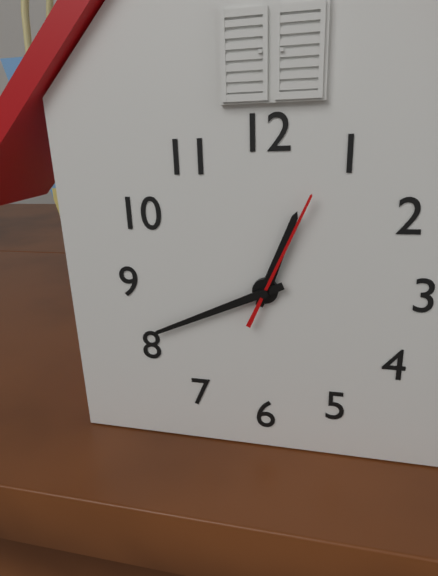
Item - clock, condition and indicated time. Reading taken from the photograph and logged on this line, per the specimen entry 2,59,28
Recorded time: 12,41,04
